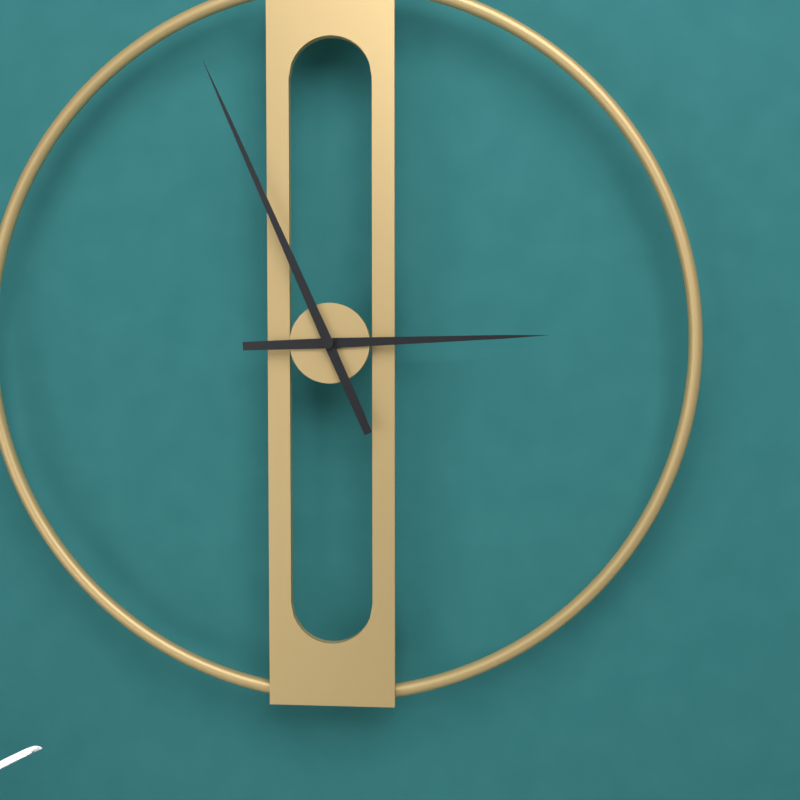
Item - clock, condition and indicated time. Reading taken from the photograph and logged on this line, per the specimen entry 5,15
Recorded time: 2,56
